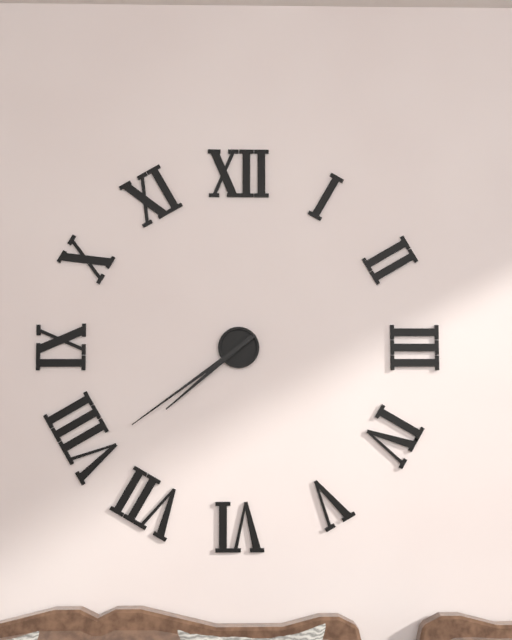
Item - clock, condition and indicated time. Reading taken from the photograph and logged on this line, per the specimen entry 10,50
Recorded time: 7,39
